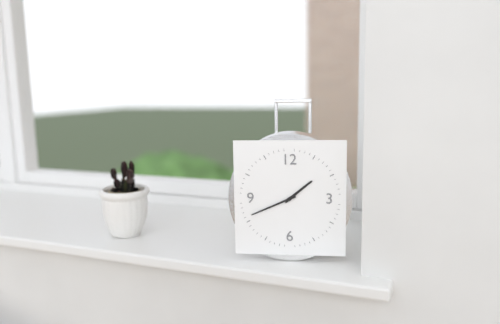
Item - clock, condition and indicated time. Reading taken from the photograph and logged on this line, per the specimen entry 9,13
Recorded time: 1,41
